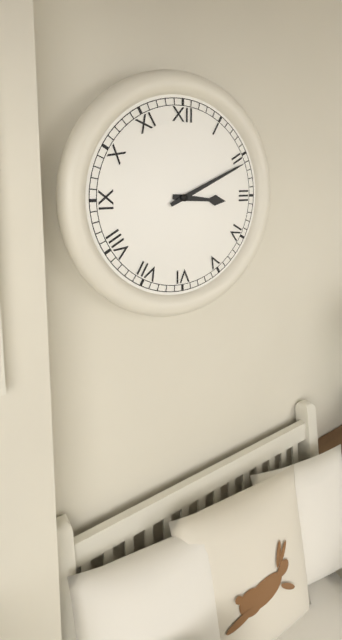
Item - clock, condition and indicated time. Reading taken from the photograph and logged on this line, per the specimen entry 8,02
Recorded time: 3,11
